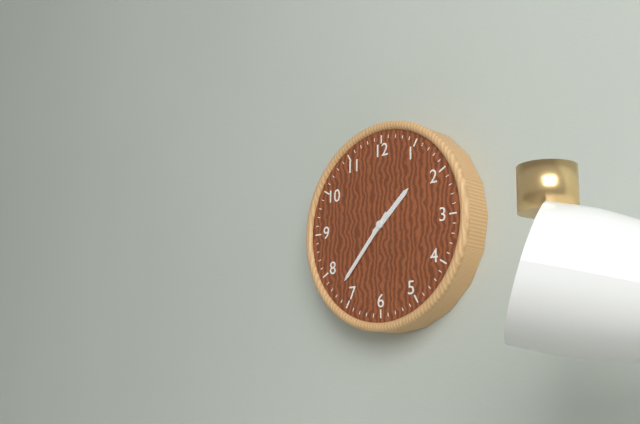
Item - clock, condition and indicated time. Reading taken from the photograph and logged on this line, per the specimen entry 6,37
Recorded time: 1,37
